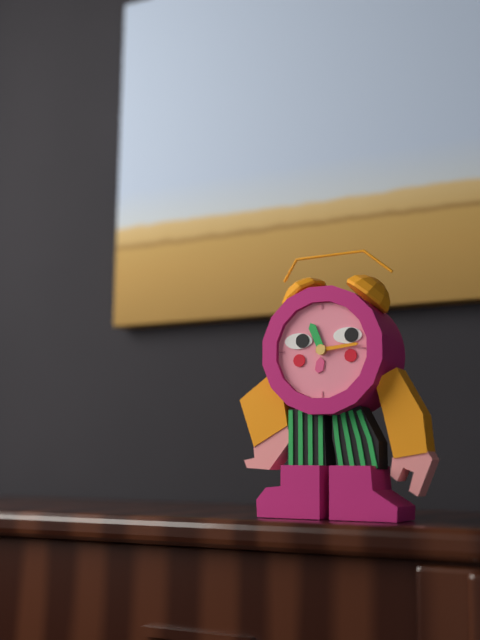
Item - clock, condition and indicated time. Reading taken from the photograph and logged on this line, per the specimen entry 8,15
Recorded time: 11,14
